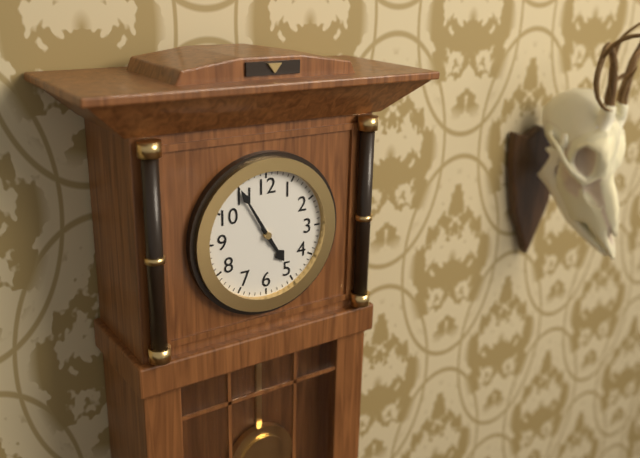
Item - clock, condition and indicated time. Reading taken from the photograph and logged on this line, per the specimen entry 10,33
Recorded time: 4,55
